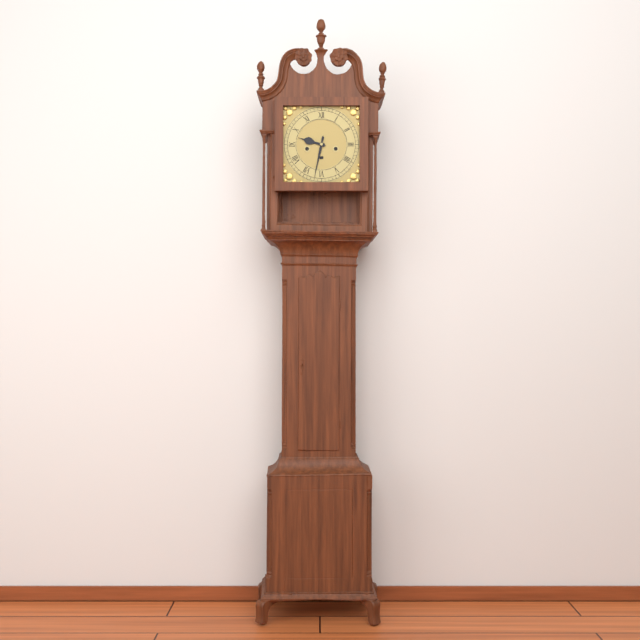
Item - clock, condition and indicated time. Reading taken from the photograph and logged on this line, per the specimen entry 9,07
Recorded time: 9,32
